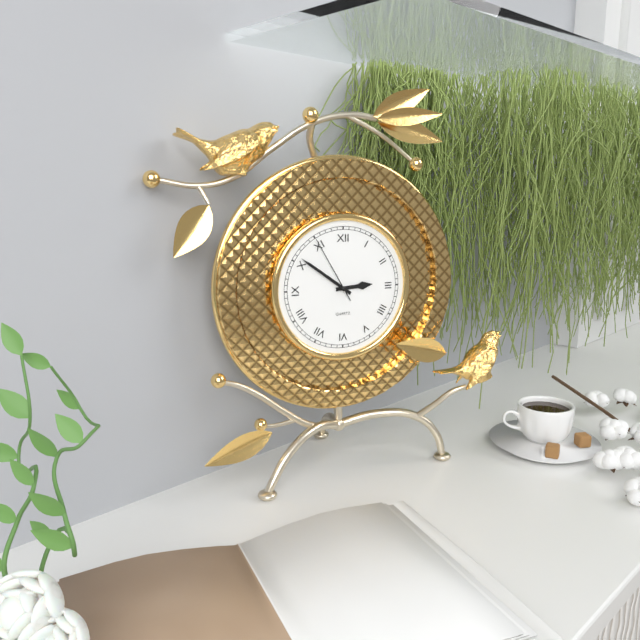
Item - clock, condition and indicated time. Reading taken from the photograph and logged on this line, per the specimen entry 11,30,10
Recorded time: 2,51,55
